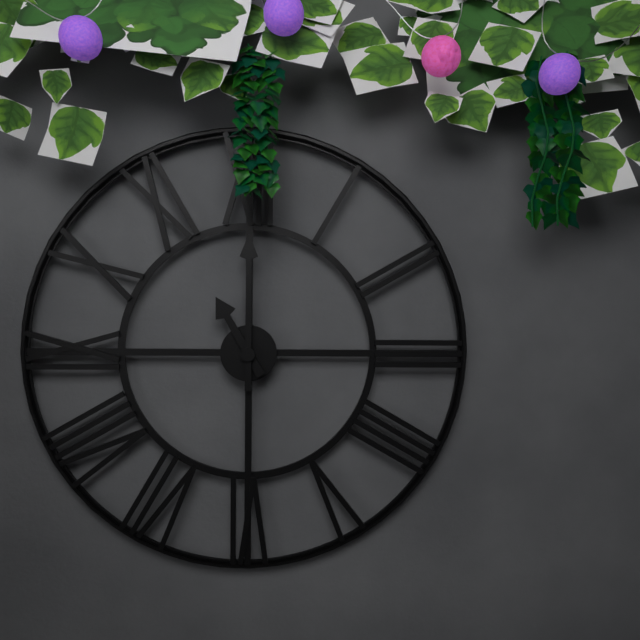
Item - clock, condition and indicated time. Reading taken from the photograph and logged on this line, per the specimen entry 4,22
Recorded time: 11,00
